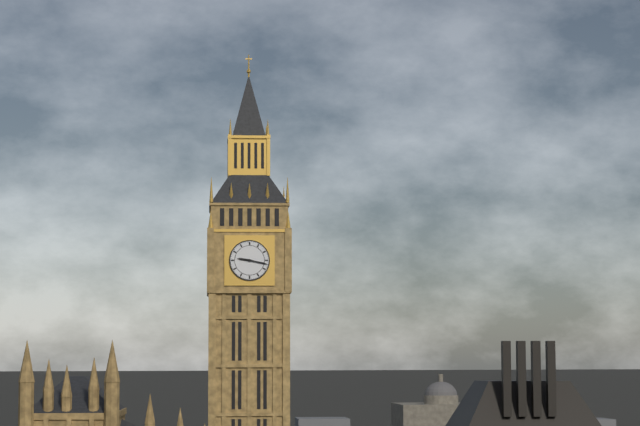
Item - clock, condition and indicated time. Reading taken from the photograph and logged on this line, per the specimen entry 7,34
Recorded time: 9,17
